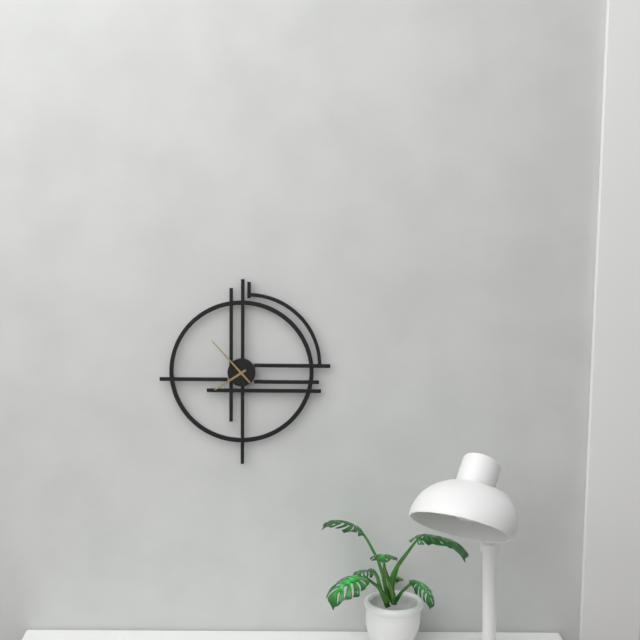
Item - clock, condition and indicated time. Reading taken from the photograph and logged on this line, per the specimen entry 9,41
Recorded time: 7,53
